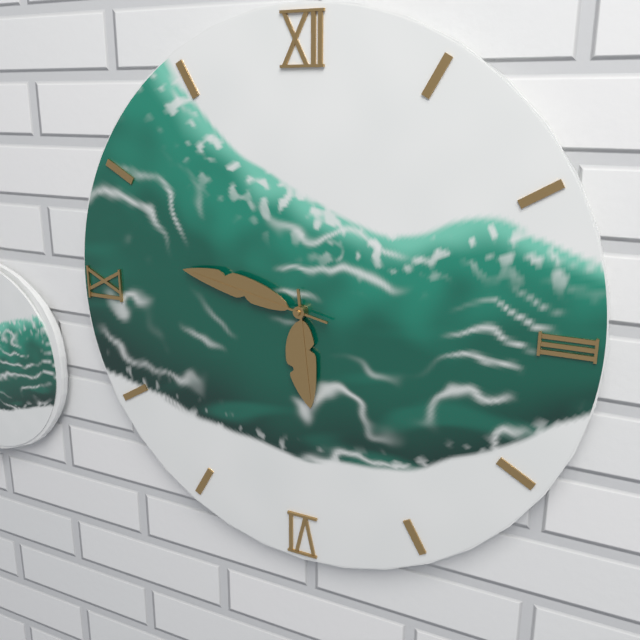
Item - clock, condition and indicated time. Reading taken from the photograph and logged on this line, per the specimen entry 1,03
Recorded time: 5,47
